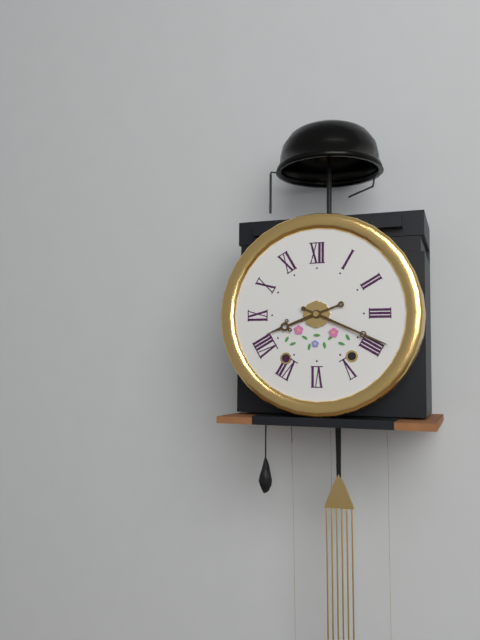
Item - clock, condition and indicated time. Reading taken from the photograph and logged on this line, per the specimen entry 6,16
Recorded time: 8,19
